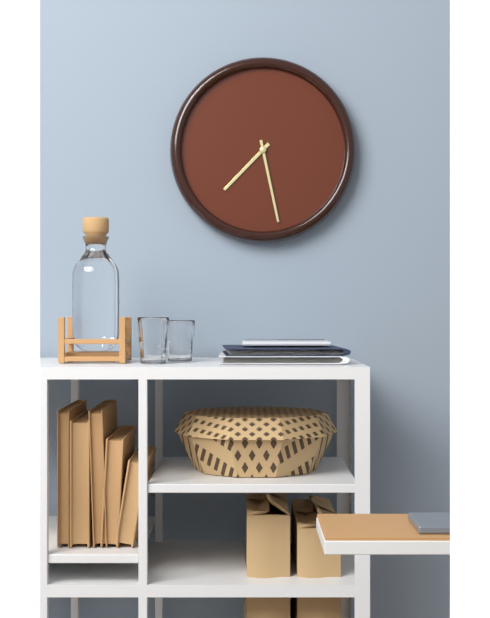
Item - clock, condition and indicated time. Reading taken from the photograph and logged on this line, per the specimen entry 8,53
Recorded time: 7,28
